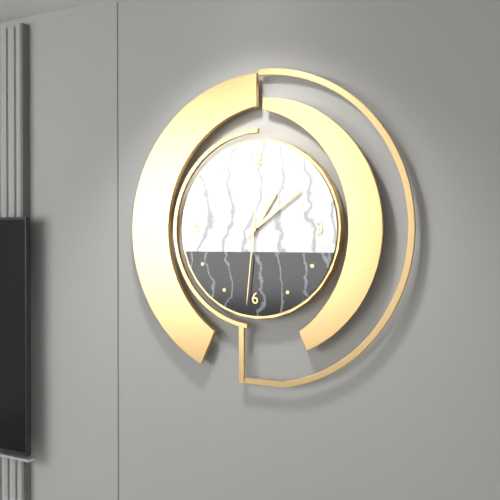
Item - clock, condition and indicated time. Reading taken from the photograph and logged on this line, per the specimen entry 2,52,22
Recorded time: 1,09,31
